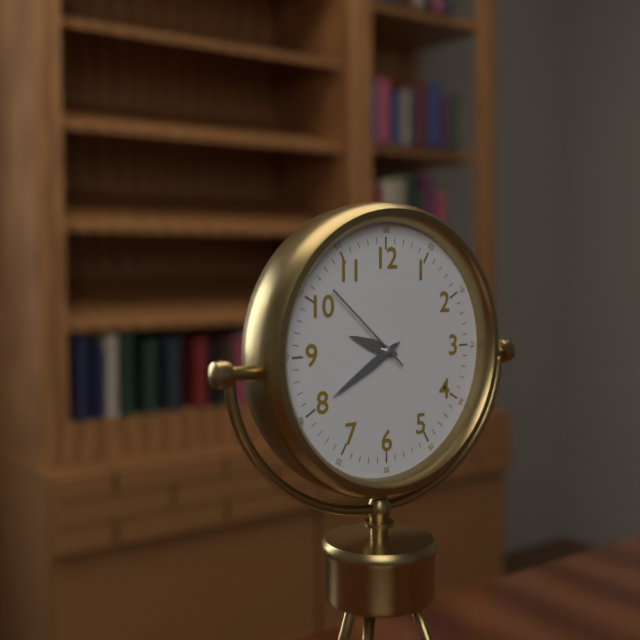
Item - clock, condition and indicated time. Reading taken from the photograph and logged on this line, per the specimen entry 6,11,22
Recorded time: 9,40,52
